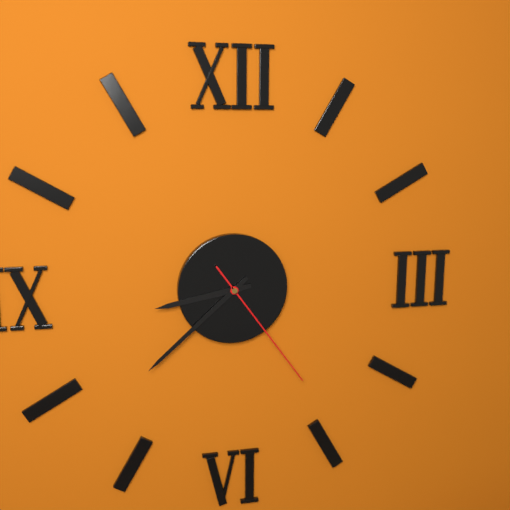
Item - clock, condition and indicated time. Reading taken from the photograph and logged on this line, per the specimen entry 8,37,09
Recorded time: 8,38,24
